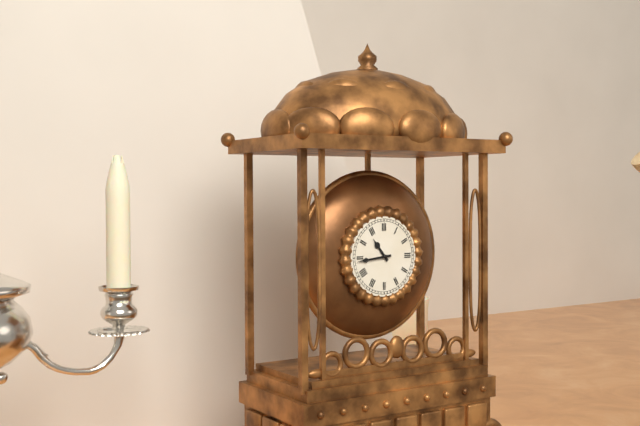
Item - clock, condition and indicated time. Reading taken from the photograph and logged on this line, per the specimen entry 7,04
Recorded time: 10,44
